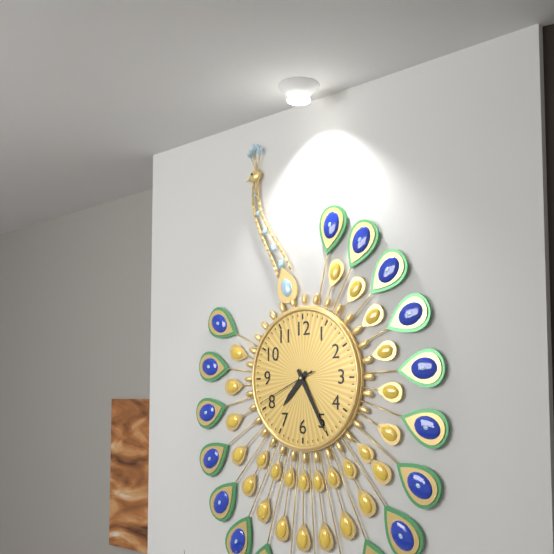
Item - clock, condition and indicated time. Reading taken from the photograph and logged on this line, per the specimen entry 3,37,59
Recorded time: 7,25,41
